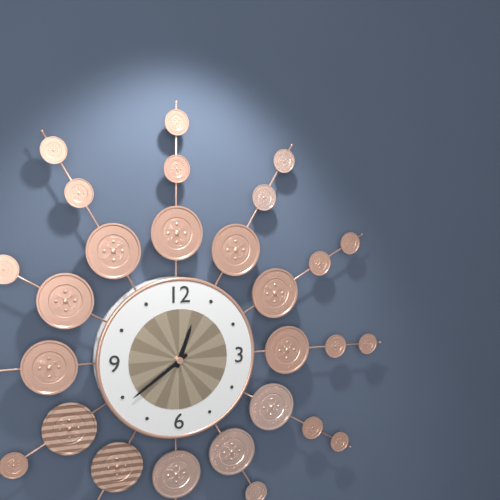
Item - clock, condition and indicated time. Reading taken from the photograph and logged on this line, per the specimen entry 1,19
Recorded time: 12,39
